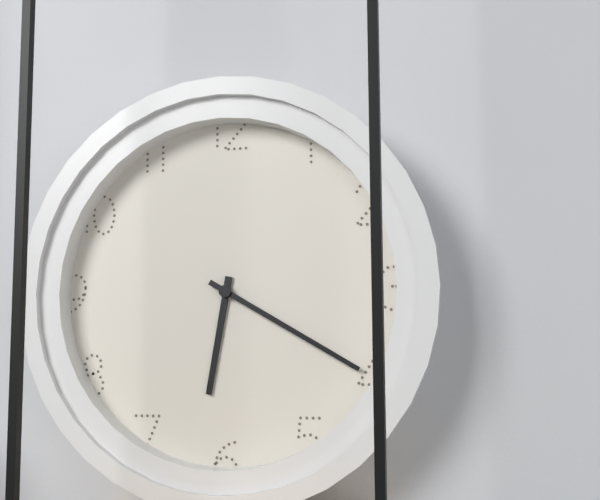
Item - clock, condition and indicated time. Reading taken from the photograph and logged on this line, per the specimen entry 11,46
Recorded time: 6,20
